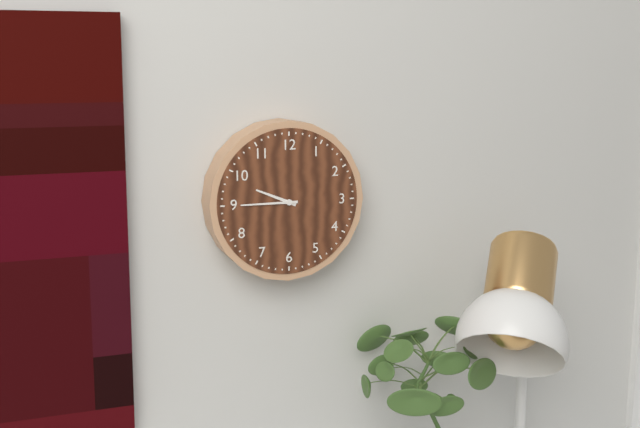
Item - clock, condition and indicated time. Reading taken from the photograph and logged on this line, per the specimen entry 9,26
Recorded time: 9,45
